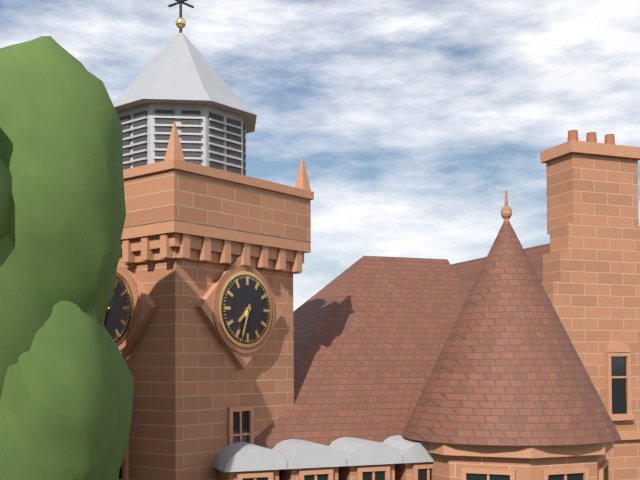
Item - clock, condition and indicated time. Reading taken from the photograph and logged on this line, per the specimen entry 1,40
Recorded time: 7,33
